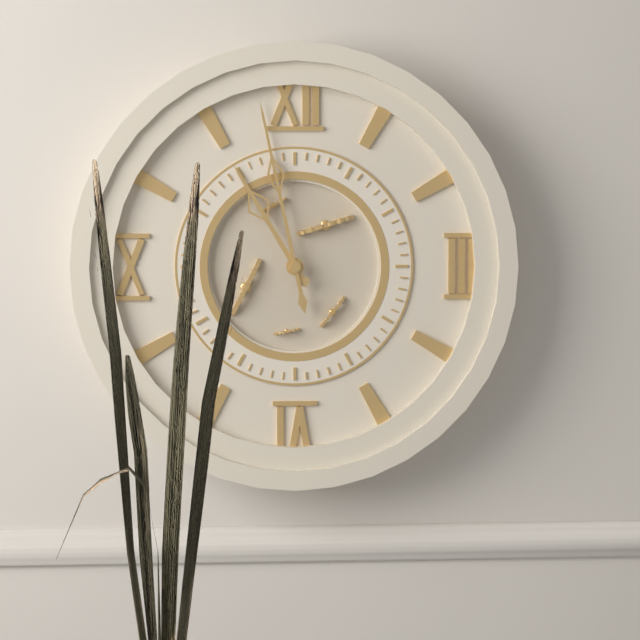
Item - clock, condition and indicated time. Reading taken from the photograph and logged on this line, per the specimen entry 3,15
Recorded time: 10,58
